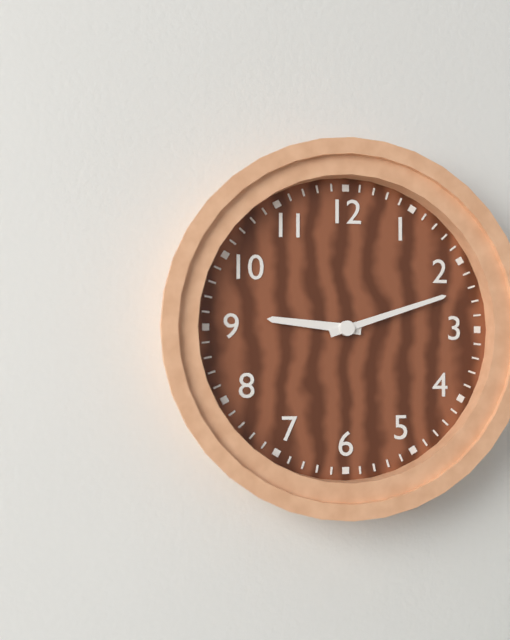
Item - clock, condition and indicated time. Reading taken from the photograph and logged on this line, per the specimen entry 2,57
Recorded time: 9,12
